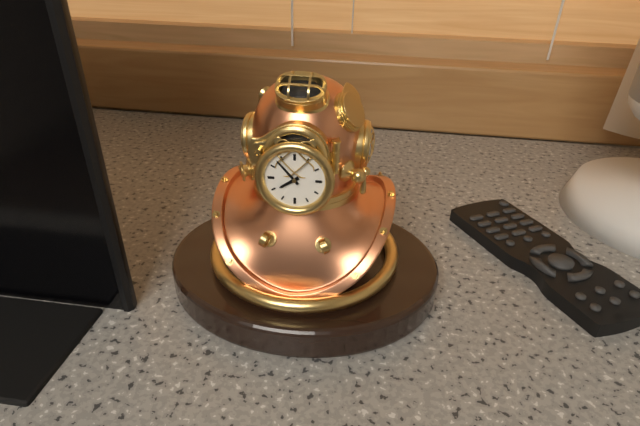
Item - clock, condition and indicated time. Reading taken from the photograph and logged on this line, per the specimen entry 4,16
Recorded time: 7,53
